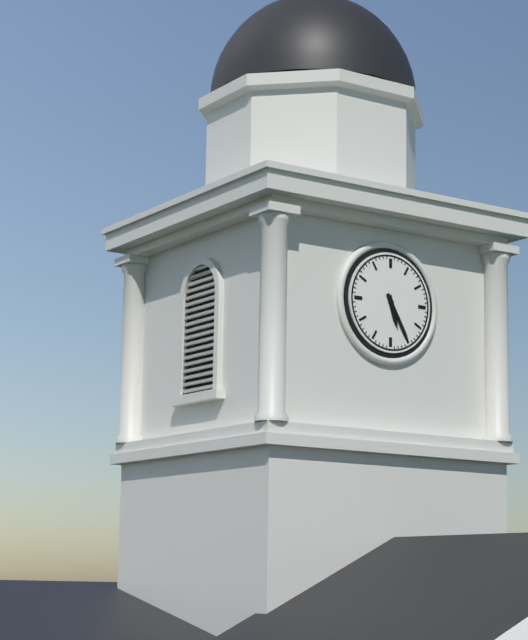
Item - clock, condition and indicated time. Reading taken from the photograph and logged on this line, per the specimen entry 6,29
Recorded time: 5,25
